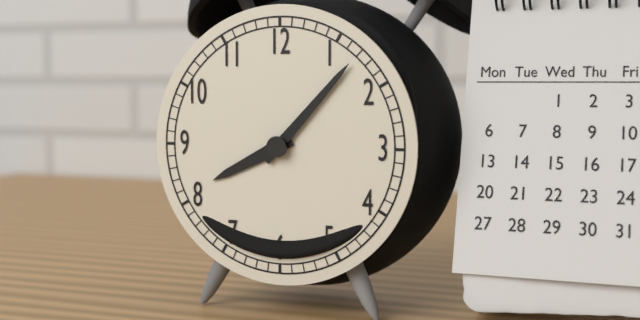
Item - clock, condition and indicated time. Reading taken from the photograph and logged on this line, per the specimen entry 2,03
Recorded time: 8,07
